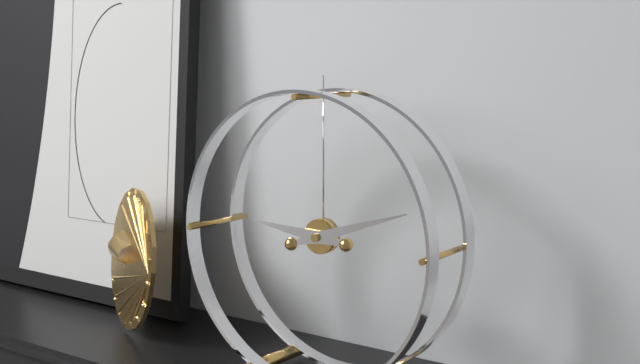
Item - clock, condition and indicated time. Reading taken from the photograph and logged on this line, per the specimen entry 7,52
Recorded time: 9,12
